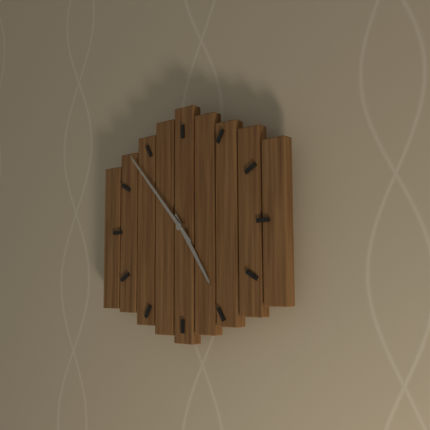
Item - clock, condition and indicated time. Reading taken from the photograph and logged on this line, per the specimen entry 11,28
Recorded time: 4,53
